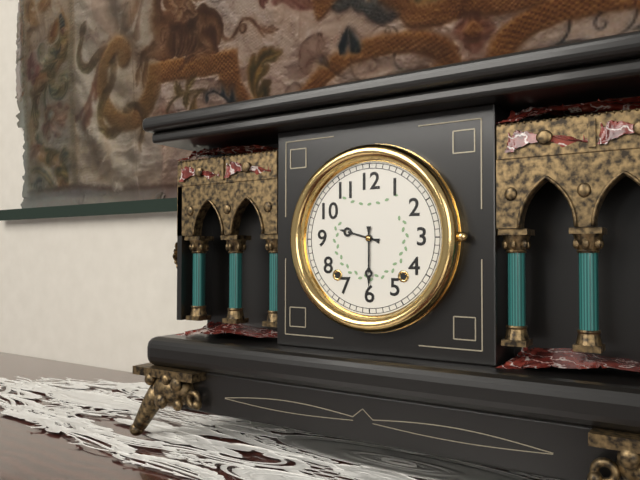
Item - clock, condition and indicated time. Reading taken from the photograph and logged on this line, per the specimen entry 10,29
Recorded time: 9,30
